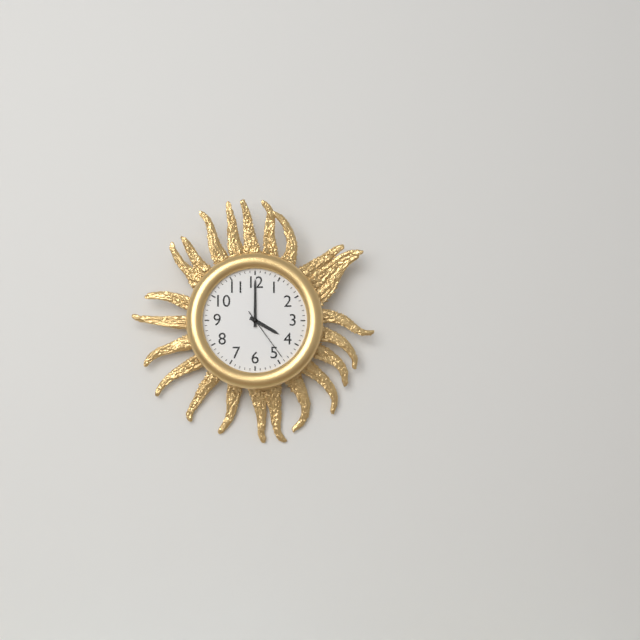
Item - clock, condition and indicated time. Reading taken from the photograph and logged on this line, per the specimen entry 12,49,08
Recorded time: 4,00,24
